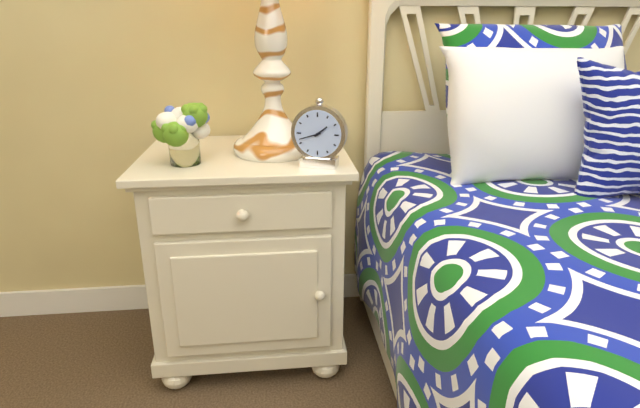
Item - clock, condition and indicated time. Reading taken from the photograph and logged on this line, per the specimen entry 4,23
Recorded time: 1,42
